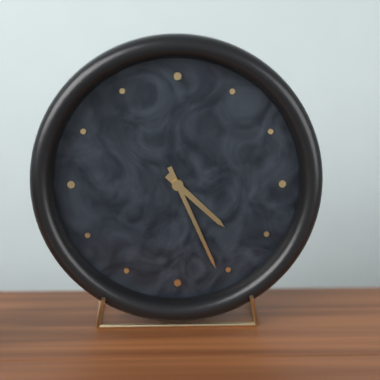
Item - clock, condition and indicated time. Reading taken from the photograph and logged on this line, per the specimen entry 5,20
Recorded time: 4,26
